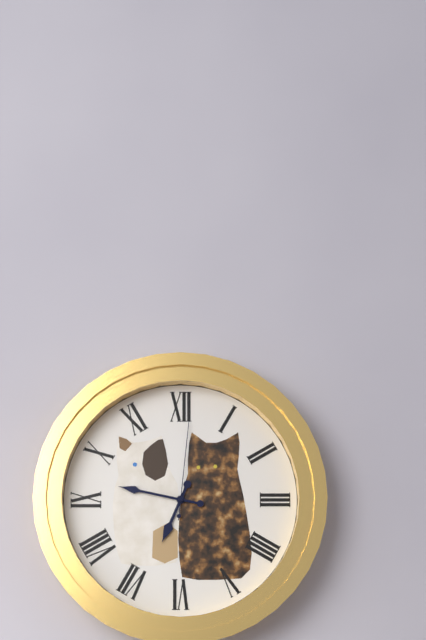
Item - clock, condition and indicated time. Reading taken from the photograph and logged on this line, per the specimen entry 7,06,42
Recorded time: 6,47,01
